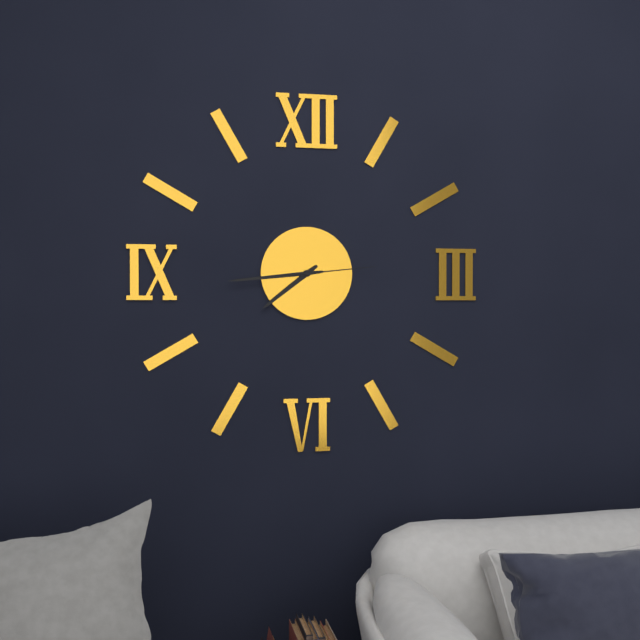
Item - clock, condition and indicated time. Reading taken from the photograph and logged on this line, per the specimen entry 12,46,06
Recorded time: 7,44,14
